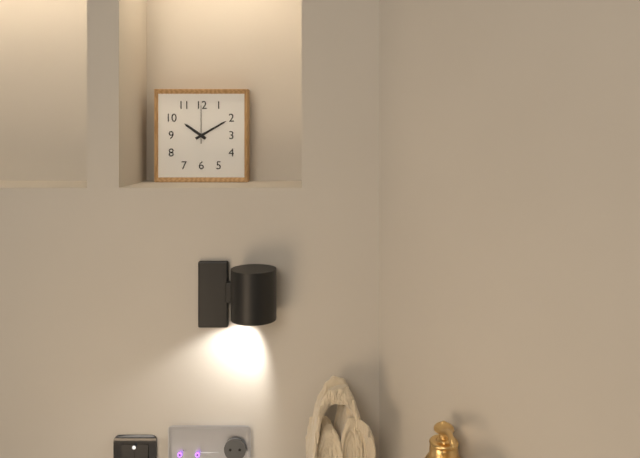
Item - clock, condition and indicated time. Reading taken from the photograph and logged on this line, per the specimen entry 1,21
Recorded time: 10,10
